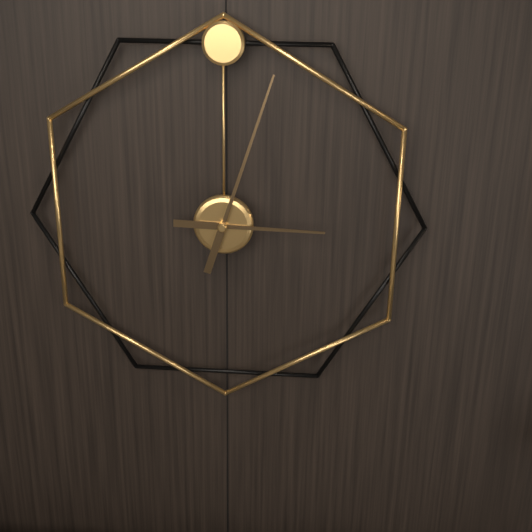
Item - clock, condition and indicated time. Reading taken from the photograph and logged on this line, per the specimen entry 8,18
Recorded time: 3,03
